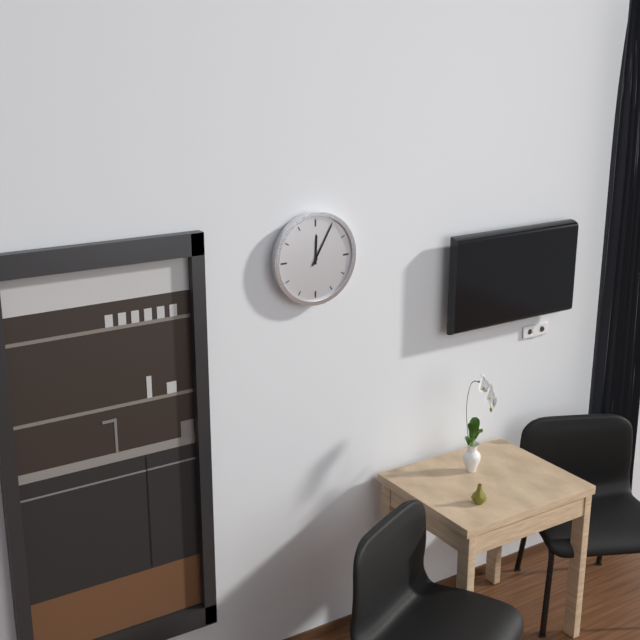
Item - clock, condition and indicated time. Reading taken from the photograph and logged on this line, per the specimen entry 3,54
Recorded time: 12,05
